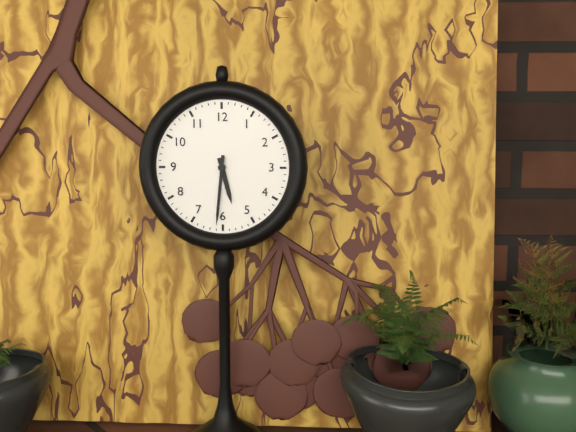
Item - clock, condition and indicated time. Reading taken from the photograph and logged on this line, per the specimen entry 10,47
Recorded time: 5,31
